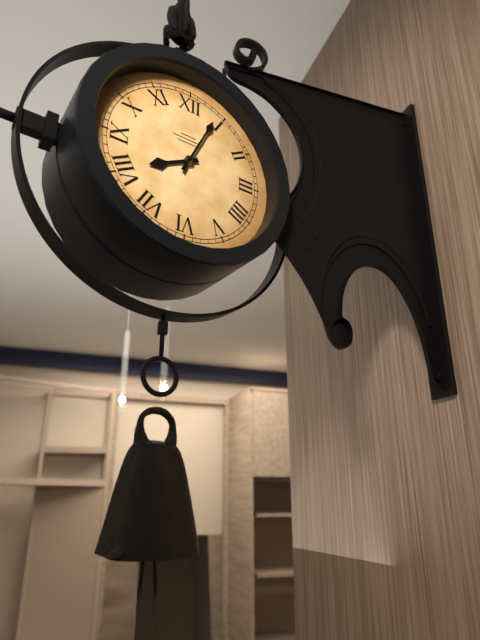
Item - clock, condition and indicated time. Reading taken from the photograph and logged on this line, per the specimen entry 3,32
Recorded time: 8,04
